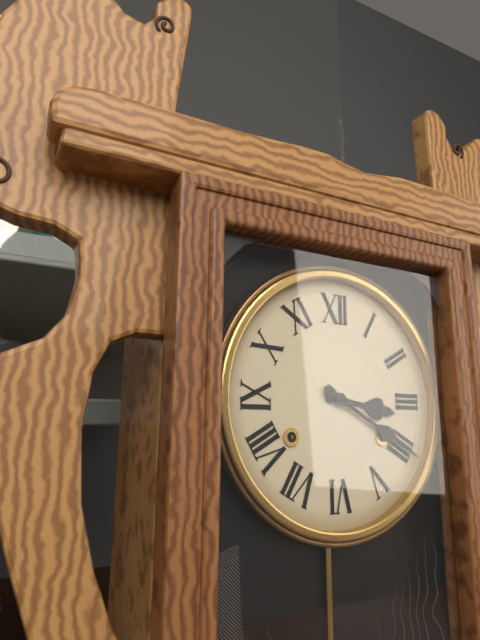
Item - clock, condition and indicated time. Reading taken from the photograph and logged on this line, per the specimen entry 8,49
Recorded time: 3,20
